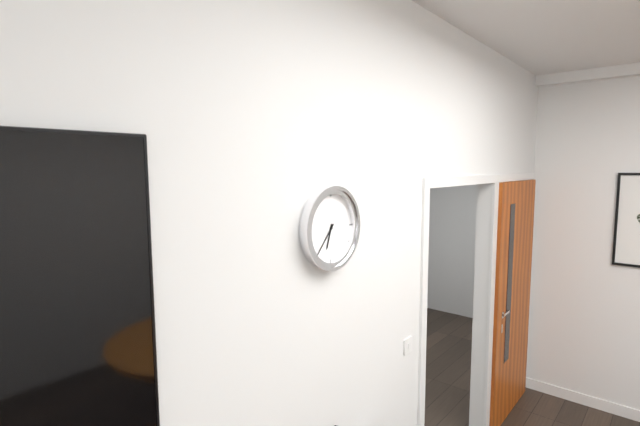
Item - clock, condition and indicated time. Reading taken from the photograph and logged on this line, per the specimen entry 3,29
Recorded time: 6,37
